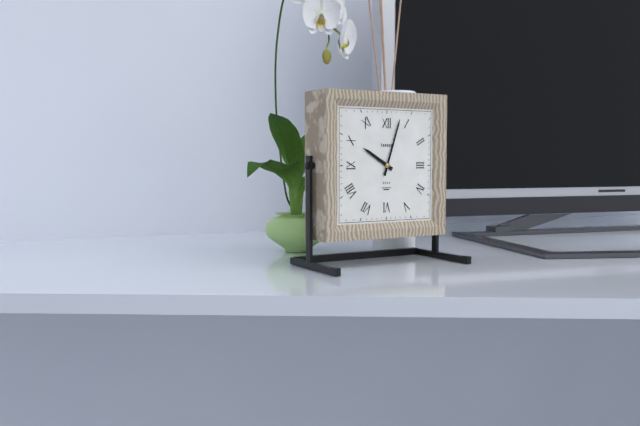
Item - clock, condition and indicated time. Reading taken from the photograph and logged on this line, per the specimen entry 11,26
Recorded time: 10,03
